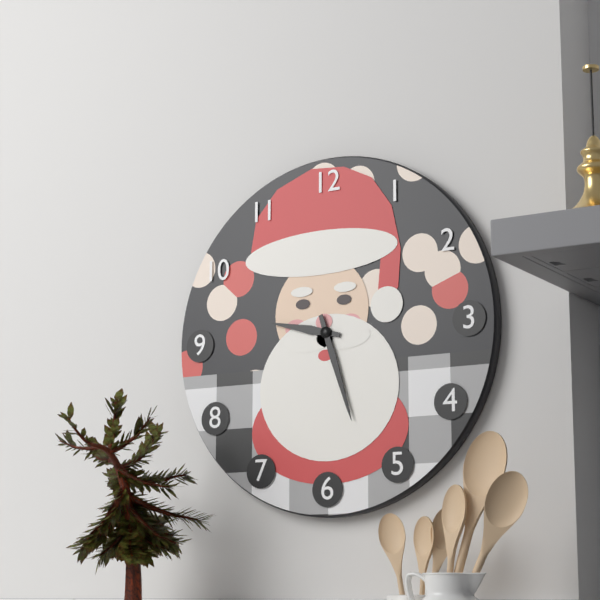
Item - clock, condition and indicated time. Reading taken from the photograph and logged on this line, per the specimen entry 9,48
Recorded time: 9,27
